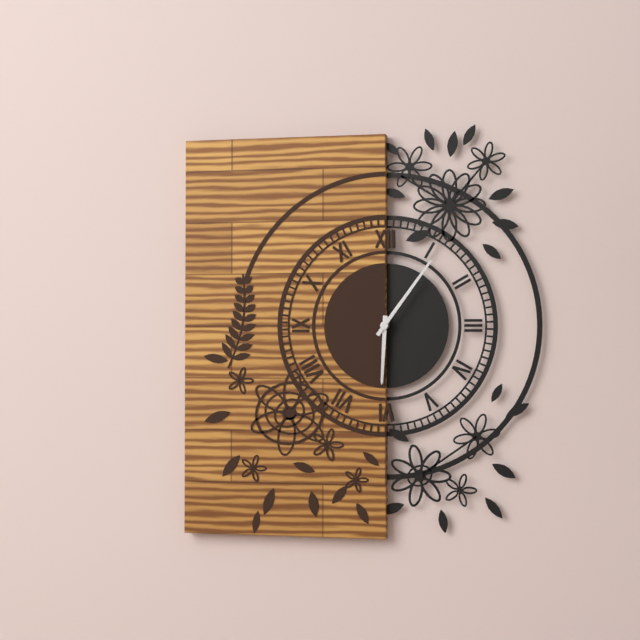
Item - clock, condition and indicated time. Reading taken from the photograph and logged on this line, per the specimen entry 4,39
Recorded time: 6,06
